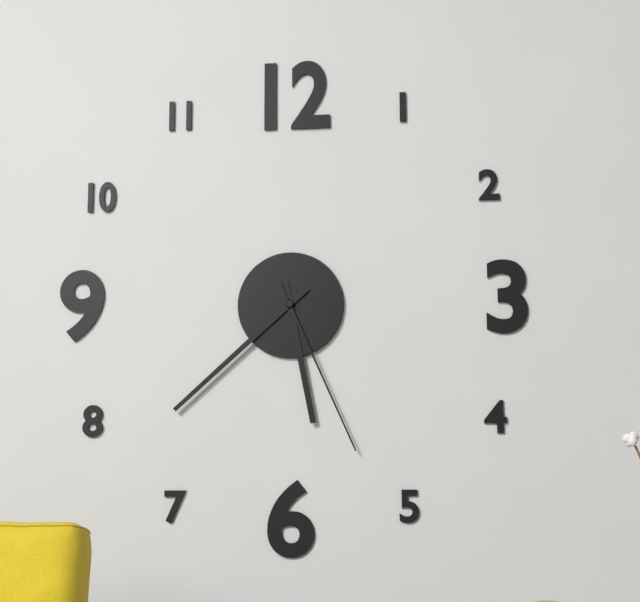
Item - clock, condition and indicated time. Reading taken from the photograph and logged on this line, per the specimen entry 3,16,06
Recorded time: 5,38,26
